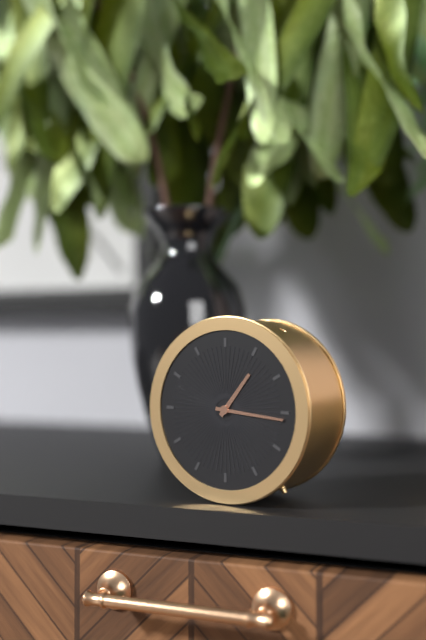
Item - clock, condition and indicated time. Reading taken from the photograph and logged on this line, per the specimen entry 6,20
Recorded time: 1,16
